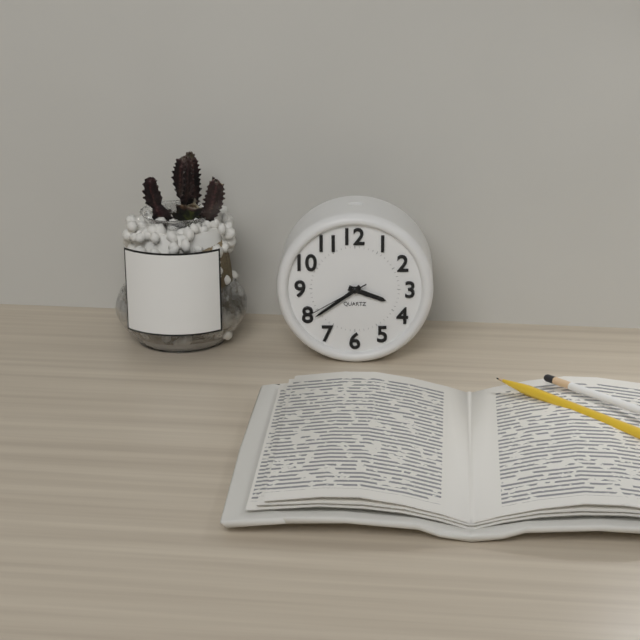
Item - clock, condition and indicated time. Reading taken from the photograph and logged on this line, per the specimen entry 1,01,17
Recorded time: 3,39,40
